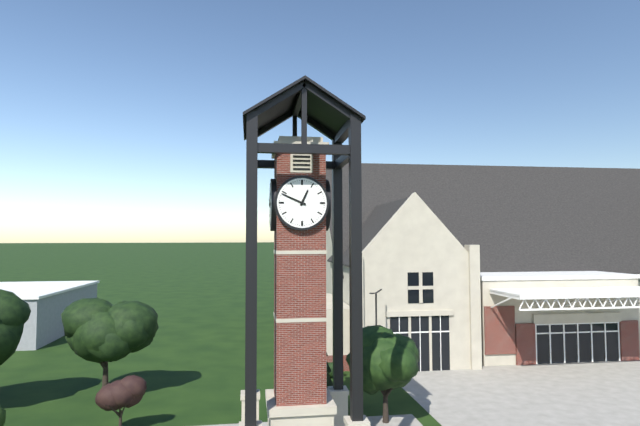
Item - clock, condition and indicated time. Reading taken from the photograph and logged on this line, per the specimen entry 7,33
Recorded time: 12,49
